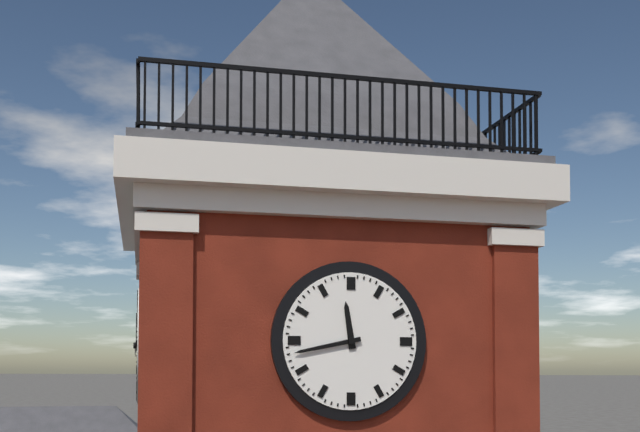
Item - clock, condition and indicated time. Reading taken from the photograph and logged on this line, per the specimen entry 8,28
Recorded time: 11,43
